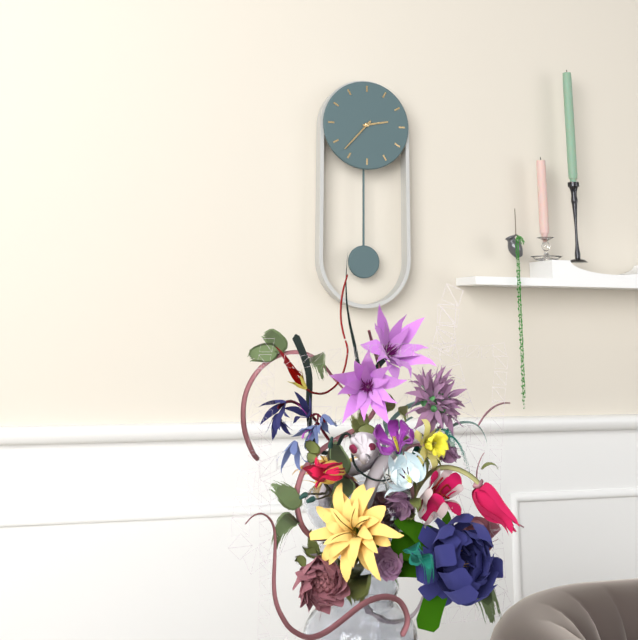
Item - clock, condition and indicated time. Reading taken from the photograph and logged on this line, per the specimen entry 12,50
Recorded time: 2,37
